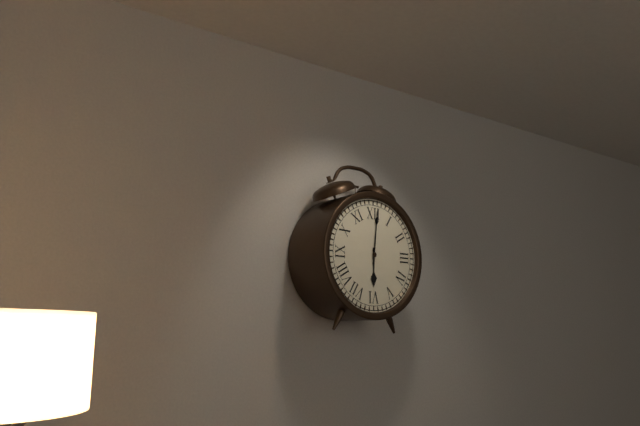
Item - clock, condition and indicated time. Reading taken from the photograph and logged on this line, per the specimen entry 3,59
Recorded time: 6,01
